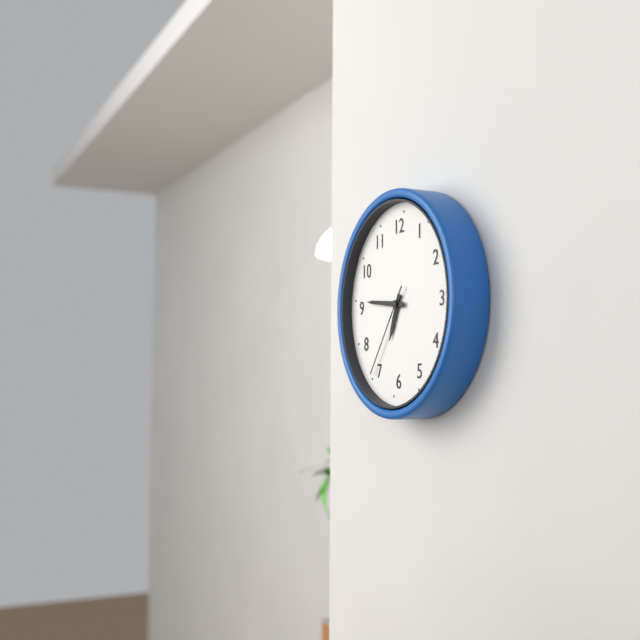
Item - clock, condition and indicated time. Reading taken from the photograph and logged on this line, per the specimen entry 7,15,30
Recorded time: 6,46,36
